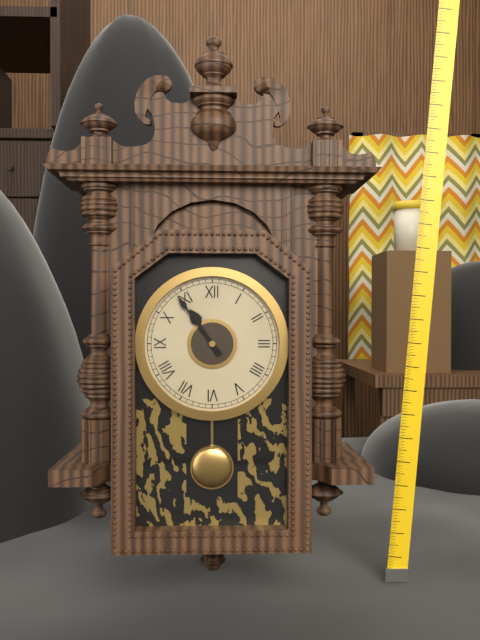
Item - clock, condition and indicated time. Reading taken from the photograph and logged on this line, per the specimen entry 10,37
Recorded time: 10,54
